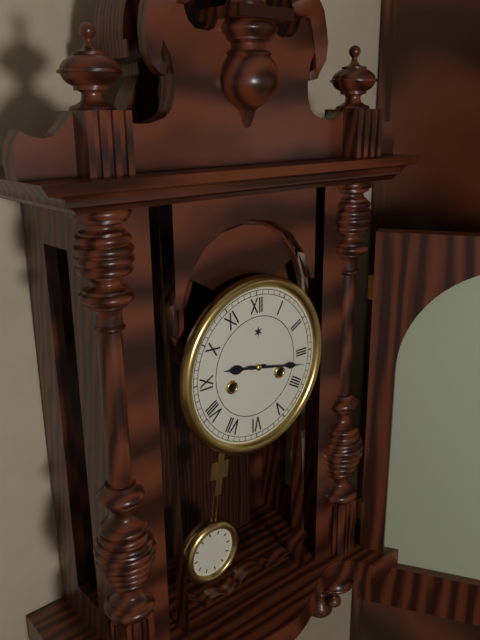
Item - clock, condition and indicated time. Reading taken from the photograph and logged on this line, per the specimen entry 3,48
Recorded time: 9,17
